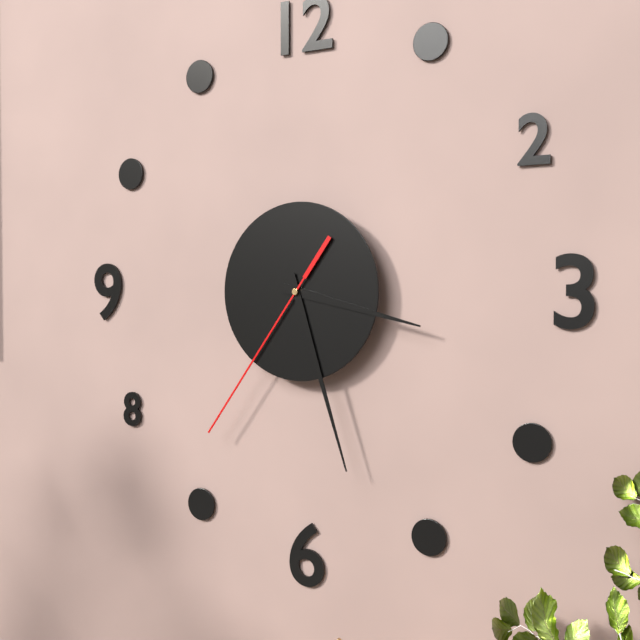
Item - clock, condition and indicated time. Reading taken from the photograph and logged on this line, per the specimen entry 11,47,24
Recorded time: 3,27,36
